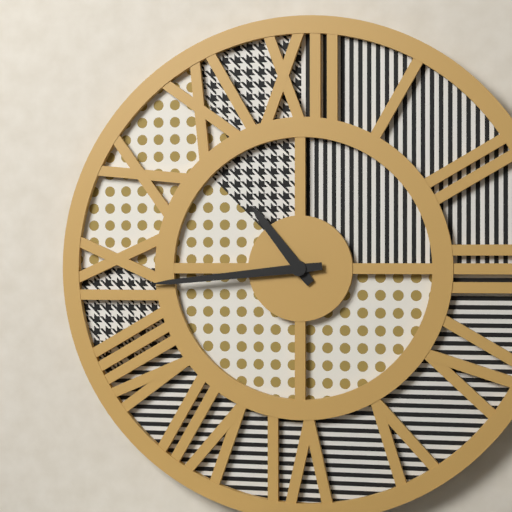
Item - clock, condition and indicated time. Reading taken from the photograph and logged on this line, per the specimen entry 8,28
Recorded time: 10,44
